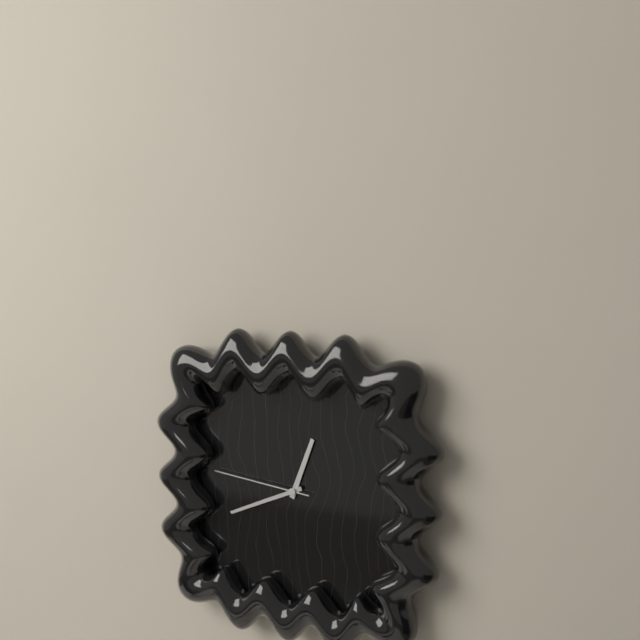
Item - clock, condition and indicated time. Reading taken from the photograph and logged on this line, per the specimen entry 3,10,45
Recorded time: 12,41,46
